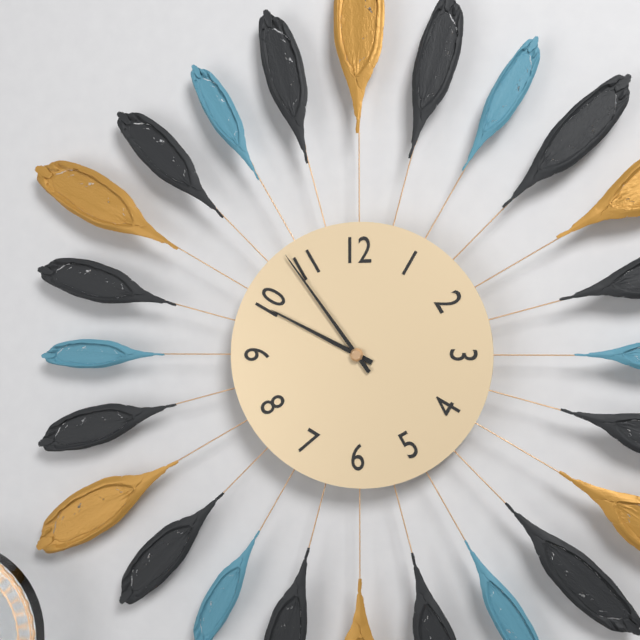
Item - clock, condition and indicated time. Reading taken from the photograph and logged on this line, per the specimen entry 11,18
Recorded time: 9,54
